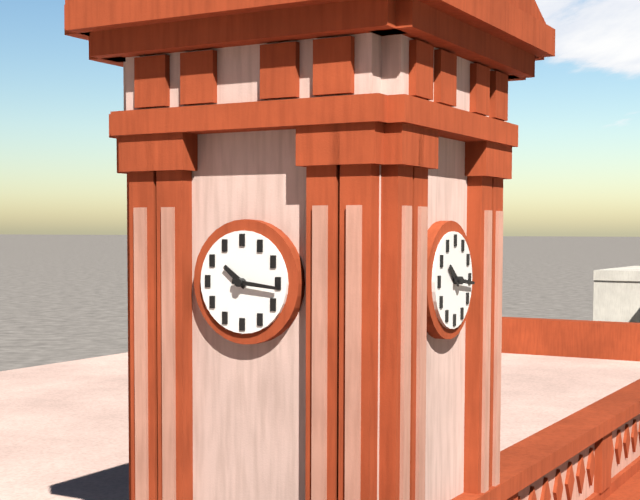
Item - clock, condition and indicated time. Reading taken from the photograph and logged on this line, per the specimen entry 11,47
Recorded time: 10,16
